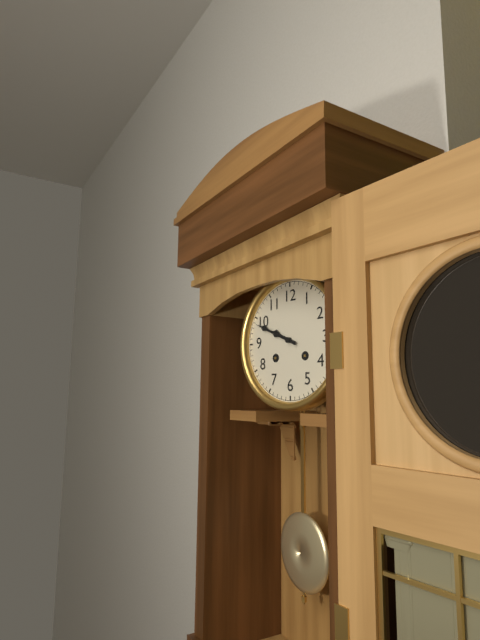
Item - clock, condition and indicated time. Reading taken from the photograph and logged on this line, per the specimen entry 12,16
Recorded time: 9,49
